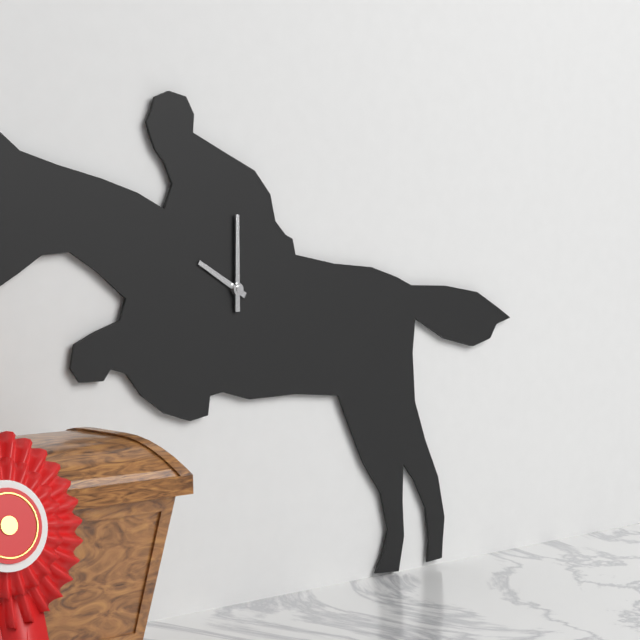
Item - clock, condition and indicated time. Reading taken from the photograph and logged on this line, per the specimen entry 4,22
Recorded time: 10,00
